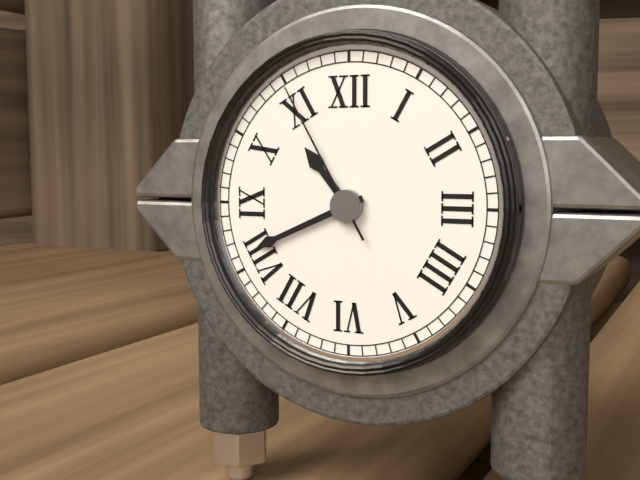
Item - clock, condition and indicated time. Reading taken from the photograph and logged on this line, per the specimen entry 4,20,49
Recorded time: 10,41,55
